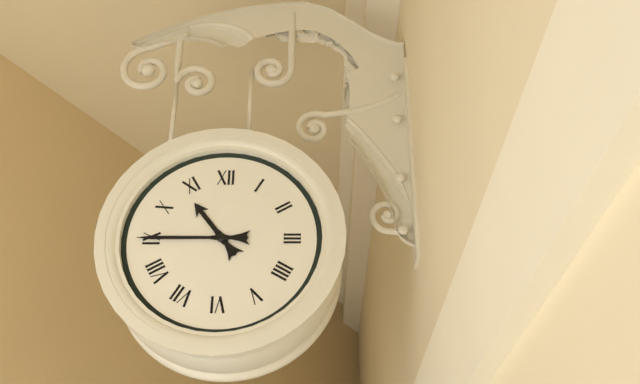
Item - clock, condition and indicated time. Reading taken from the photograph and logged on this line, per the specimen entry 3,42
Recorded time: 10,45
